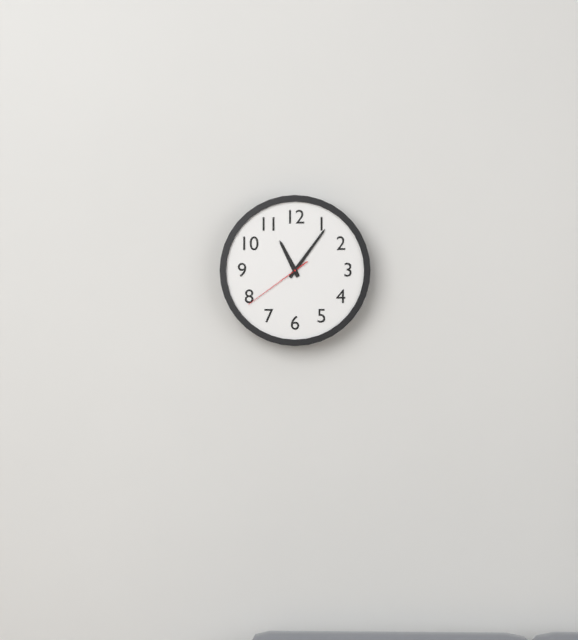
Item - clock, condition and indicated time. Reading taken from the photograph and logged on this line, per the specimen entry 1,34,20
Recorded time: 11,06,39
